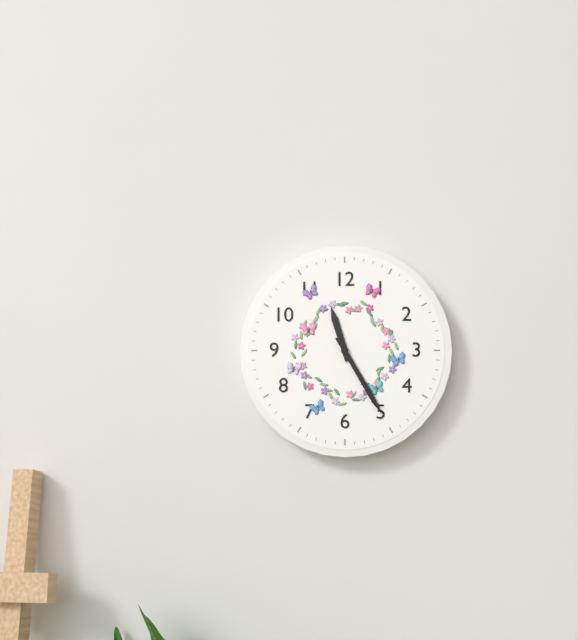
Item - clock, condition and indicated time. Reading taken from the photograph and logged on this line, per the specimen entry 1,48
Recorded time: 11,25
